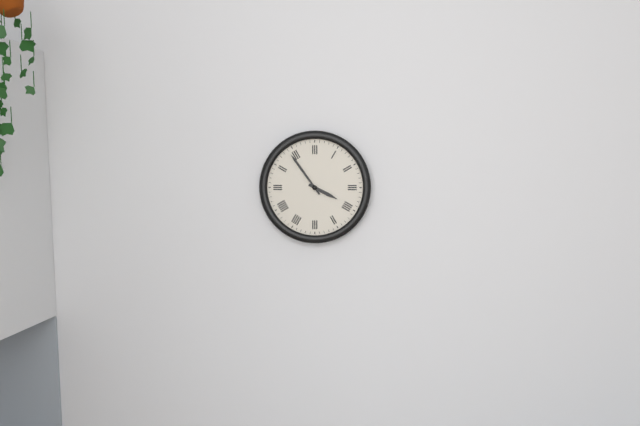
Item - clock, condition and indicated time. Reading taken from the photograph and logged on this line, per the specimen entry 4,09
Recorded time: 3,54
